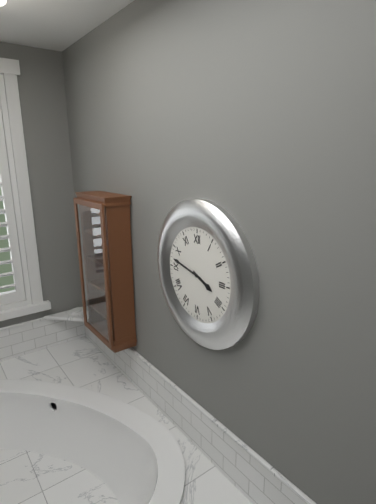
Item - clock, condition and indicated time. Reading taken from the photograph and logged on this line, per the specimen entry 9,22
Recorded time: 3,47
